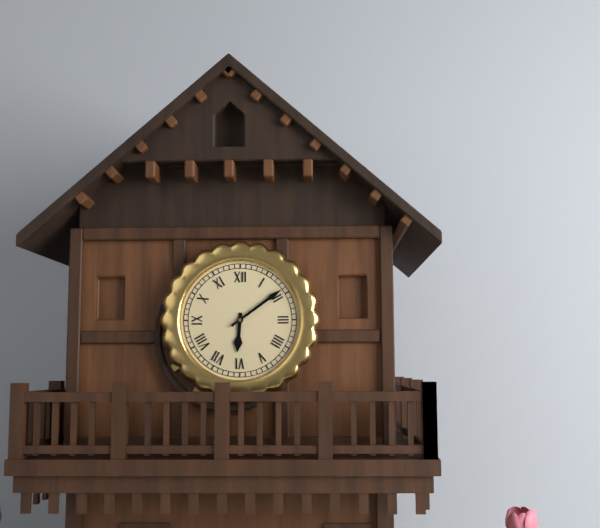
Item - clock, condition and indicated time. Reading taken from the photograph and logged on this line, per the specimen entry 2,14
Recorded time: 6,09
